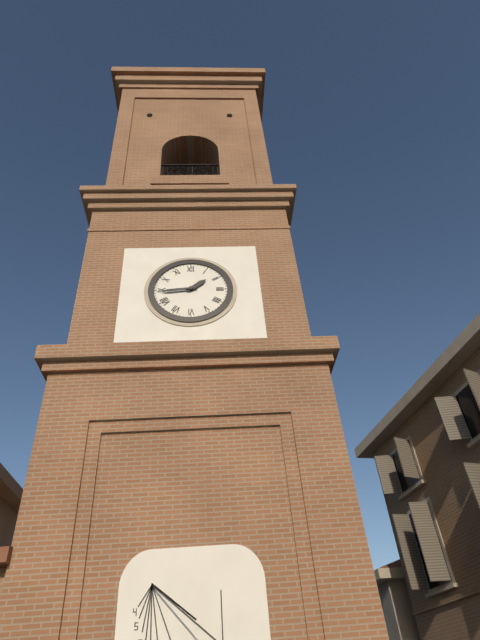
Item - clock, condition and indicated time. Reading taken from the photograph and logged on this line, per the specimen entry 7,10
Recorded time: 1,44
